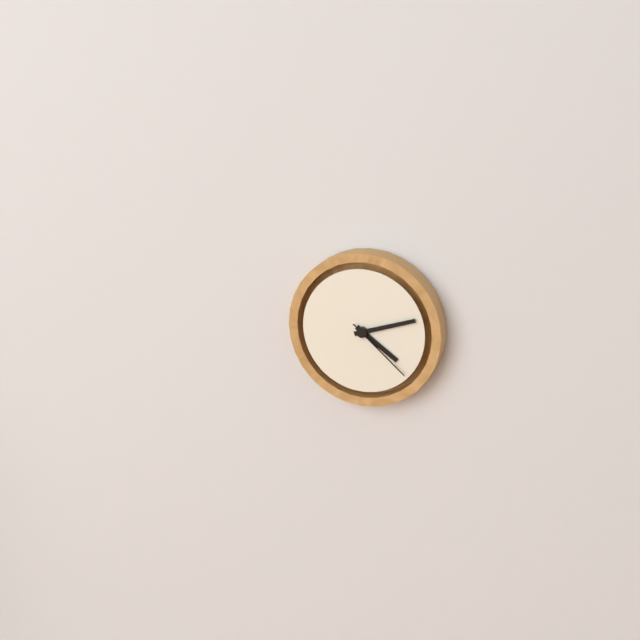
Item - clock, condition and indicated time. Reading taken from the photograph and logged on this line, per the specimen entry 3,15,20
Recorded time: 4,12,22
